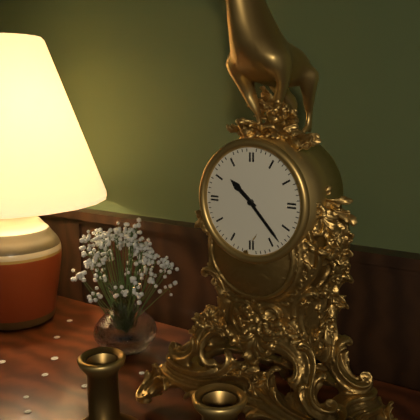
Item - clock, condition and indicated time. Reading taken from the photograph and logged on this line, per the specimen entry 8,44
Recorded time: 10,23
